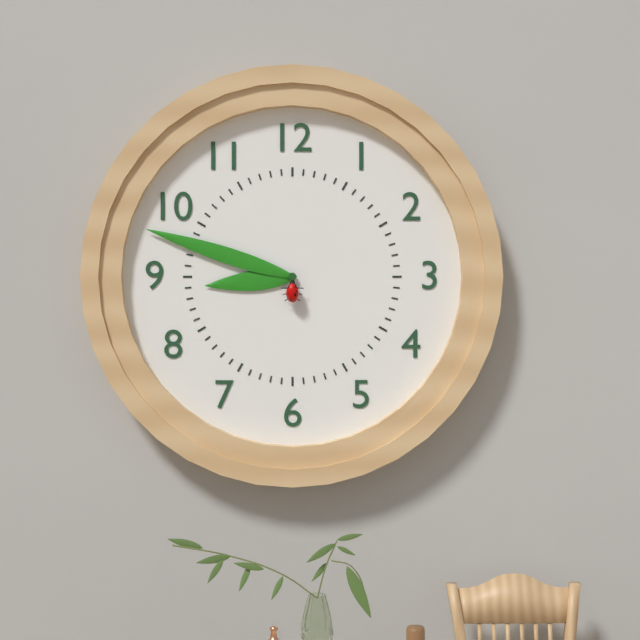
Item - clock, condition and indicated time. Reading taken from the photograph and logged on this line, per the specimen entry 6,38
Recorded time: 8,48
